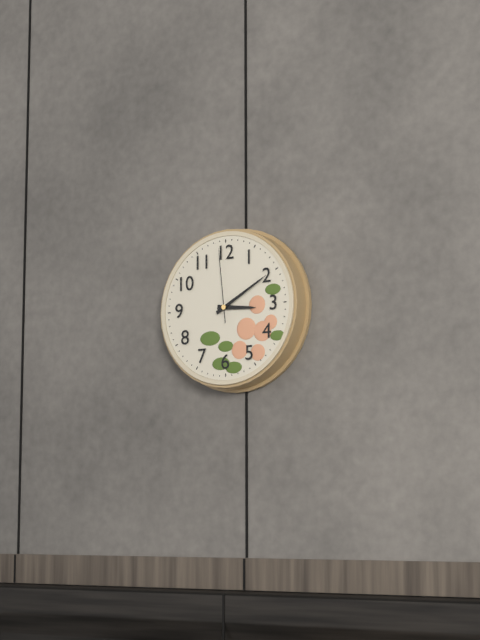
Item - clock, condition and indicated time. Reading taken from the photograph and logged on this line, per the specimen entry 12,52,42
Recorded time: 3,10,59
